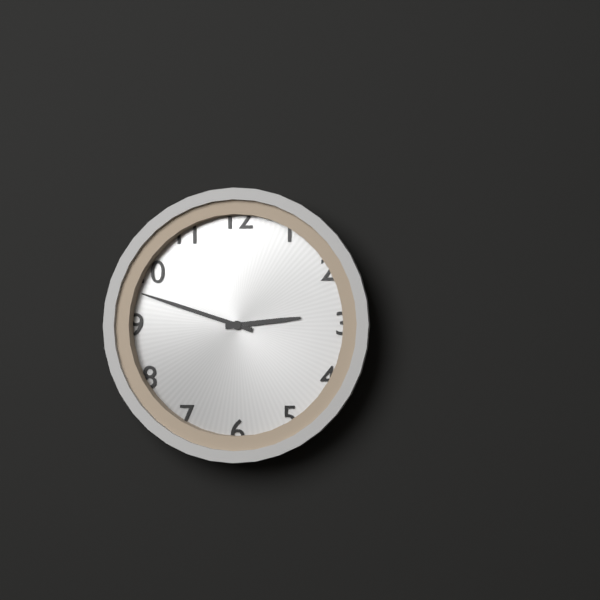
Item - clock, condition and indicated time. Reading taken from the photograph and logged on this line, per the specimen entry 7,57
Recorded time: 2,48
